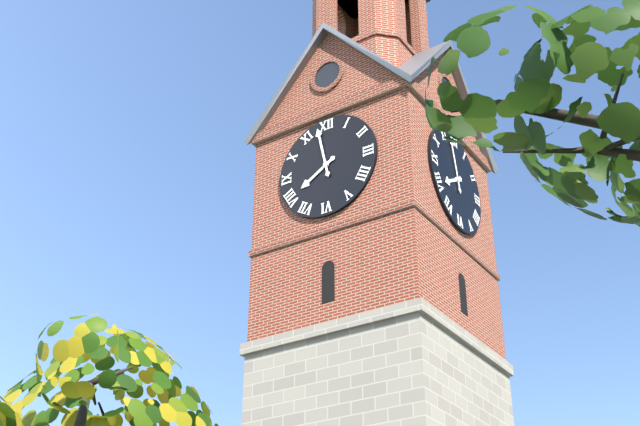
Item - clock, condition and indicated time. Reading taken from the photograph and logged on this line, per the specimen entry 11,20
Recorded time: 7,58
